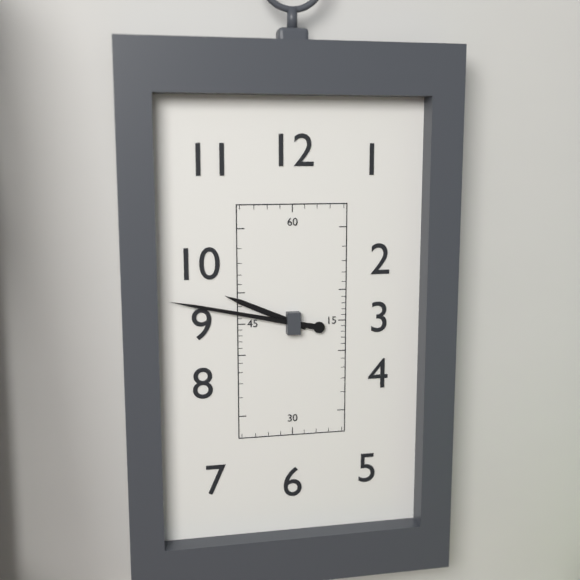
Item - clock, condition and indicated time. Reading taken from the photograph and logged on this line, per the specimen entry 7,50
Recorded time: 9,47
